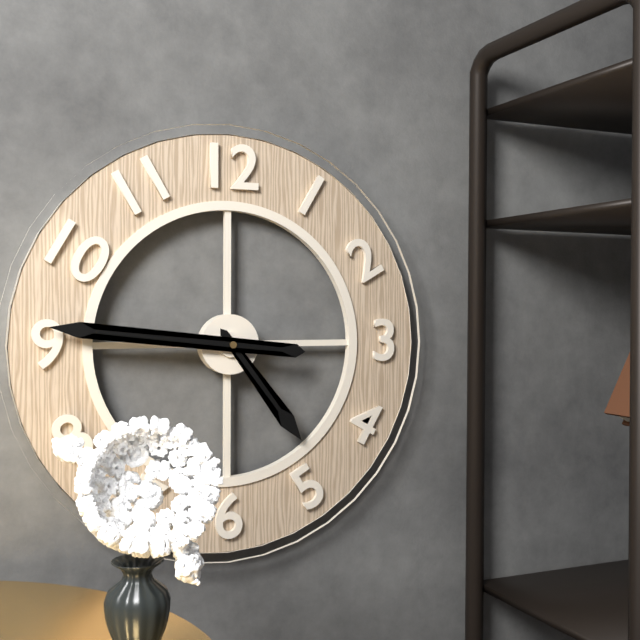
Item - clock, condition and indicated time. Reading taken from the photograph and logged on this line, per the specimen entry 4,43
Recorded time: 4,46
